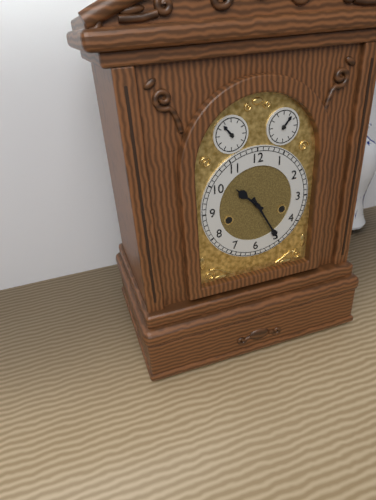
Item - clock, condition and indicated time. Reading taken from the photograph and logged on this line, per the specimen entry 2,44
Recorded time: 10,25
